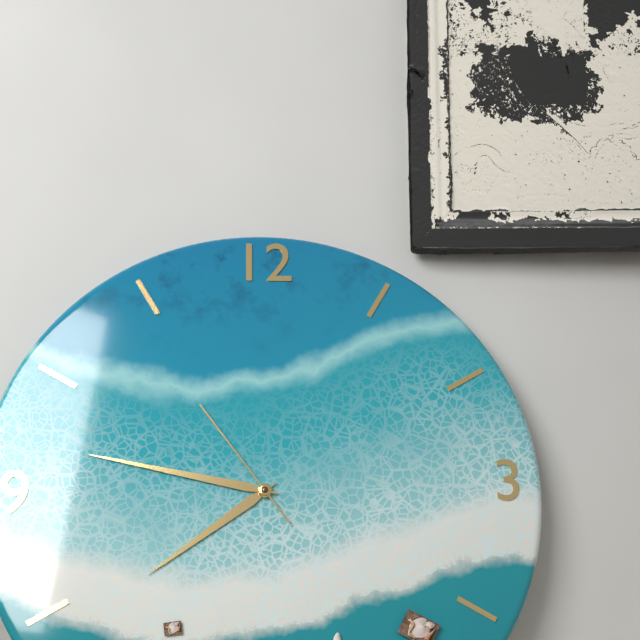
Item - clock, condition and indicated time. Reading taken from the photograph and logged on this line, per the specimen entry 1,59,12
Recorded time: 7,47,54
